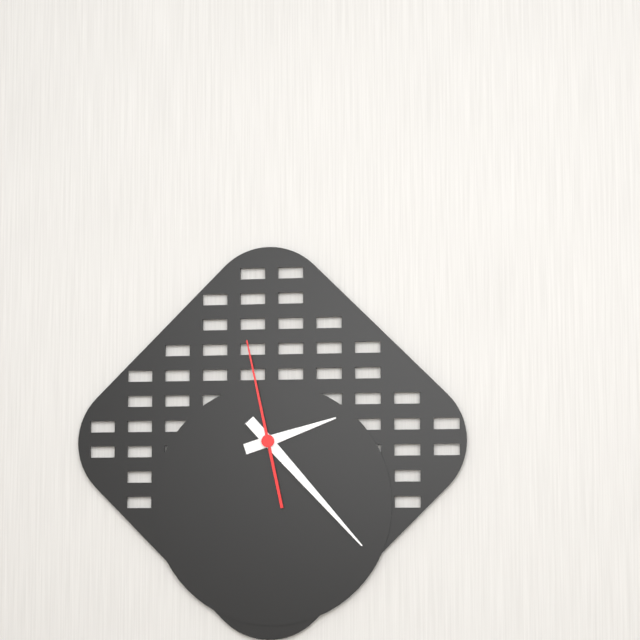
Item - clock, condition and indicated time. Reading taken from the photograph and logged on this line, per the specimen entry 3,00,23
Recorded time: 2,23,58
